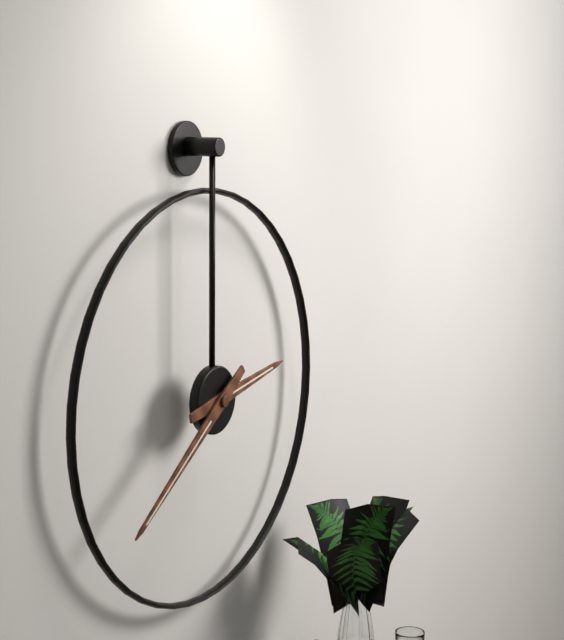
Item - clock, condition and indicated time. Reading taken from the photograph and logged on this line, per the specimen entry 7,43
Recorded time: 2,39
